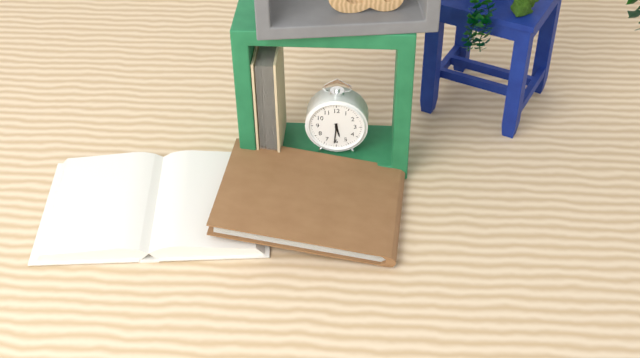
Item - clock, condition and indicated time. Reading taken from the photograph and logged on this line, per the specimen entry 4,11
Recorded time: 5,31
